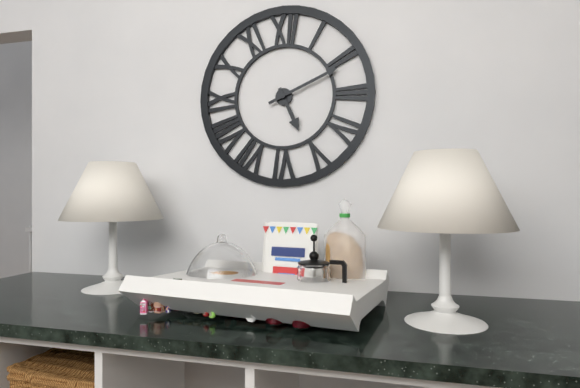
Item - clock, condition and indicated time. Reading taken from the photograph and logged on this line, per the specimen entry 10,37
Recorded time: 5,11
